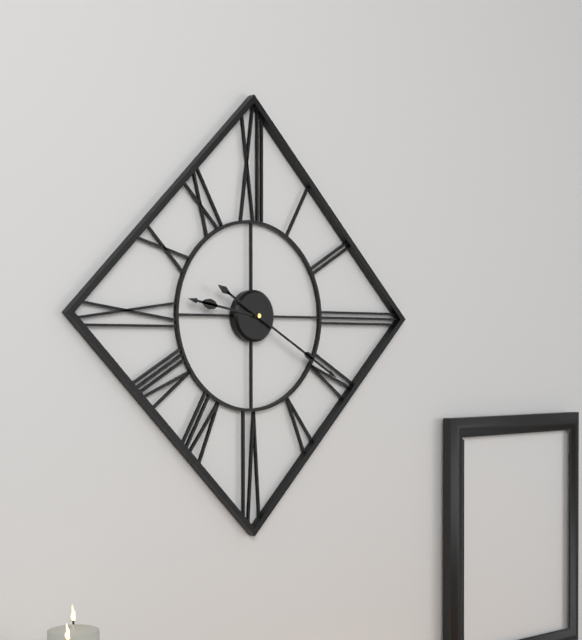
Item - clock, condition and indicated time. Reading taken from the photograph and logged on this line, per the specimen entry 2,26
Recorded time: 9,20
